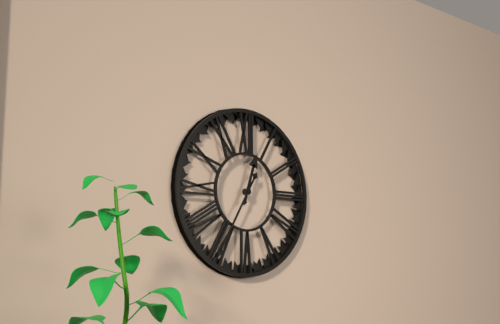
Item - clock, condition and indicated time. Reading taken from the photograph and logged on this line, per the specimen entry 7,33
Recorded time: 12,35
